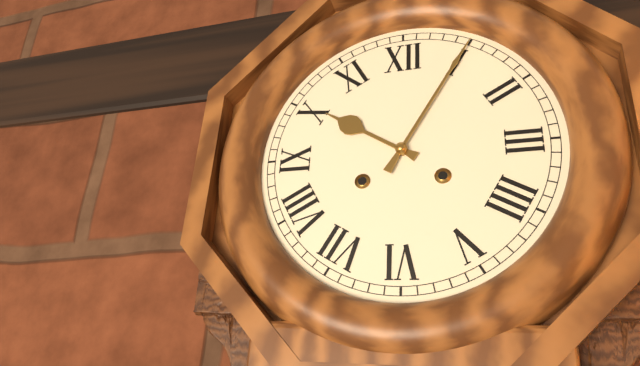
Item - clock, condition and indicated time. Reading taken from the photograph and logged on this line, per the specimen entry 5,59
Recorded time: 10,05
